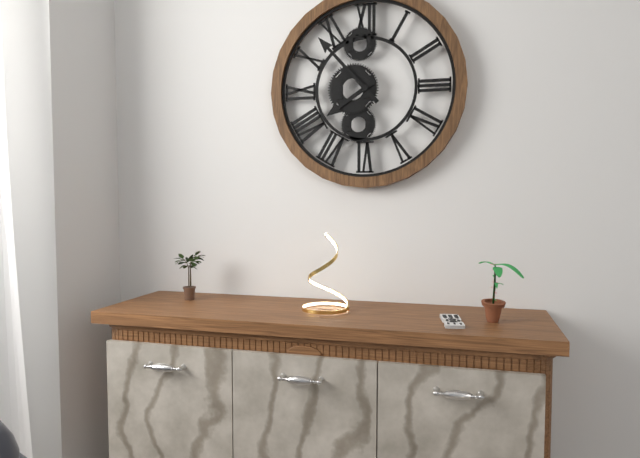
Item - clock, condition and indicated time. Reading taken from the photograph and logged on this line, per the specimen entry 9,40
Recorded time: 7,53
